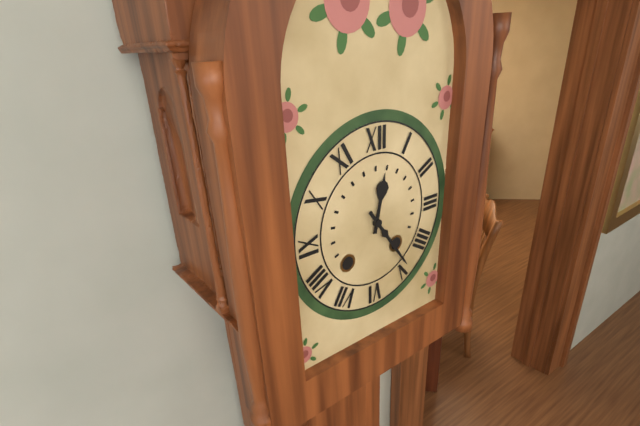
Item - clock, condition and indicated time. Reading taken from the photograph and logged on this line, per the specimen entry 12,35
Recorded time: 12,24
